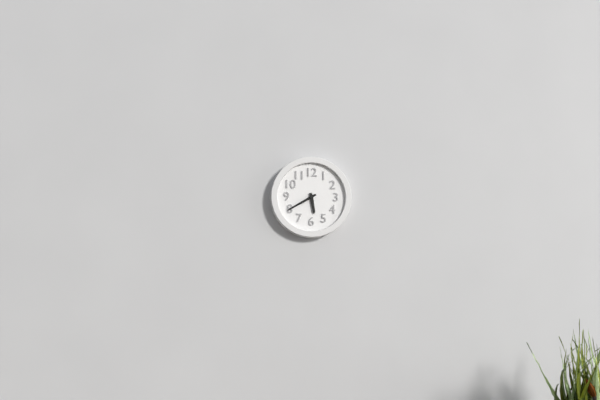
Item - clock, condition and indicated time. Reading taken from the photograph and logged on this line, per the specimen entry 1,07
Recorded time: 5,40
